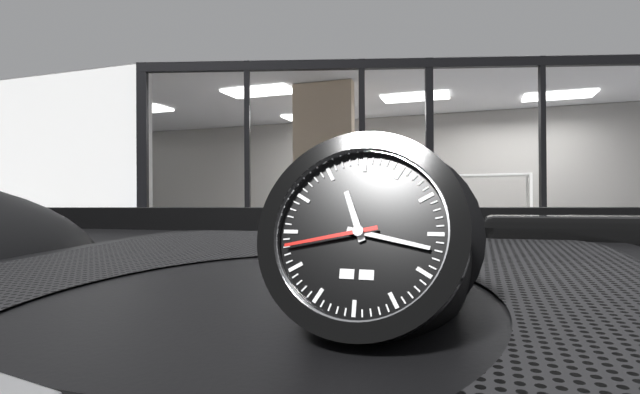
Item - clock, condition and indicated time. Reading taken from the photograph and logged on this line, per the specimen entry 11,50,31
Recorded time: 11,17,43
